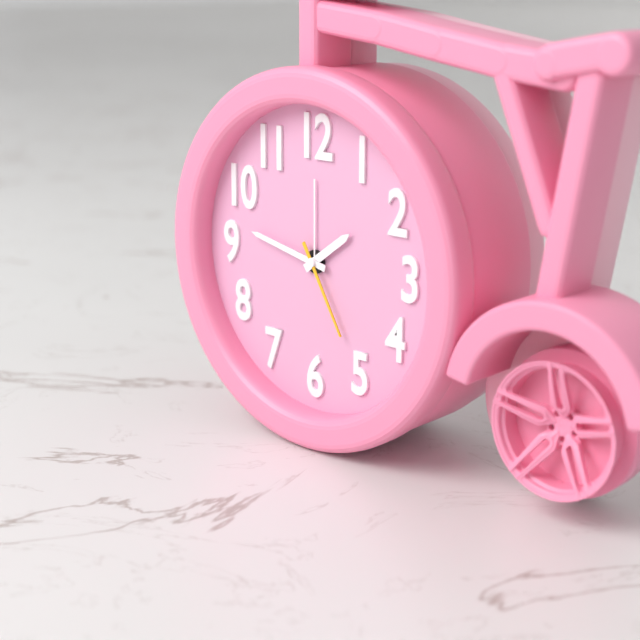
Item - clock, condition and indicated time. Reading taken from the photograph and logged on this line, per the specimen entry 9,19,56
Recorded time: 1,47,25
